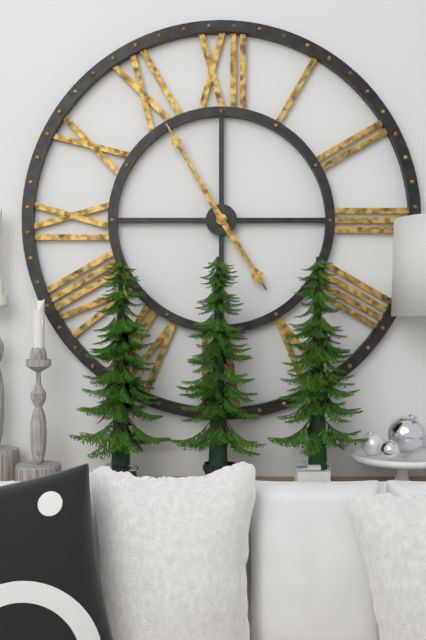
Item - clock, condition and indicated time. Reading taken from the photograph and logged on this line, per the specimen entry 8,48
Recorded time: 4,55
